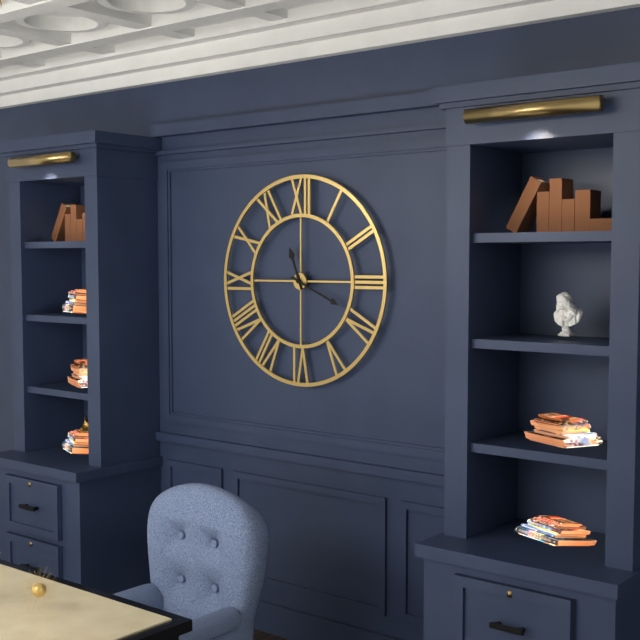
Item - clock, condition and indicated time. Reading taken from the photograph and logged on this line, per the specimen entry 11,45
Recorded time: 11,19
